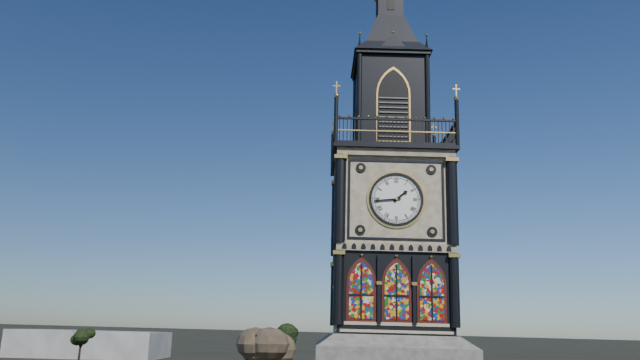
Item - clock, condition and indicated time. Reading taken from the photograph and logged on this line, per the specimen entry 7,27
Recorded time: 1,44
